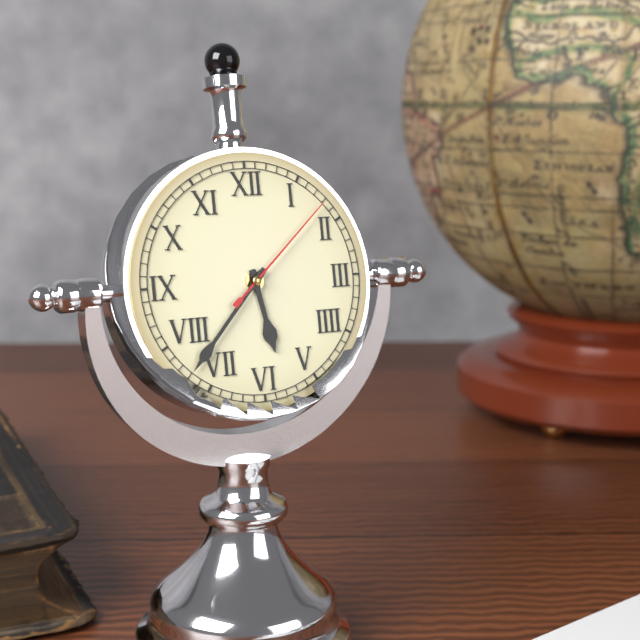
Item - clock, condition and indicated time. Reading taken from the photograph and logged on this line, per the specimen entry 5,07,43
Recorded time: 5,37,08
